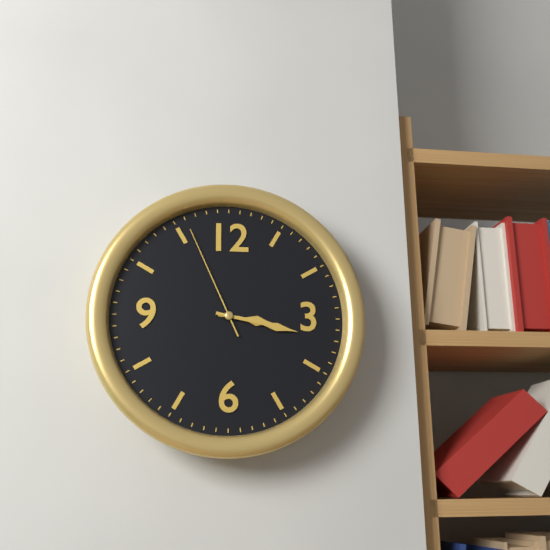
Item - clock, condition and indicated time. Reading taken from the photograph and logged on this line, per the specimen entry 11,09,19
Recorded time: 3,17,56
